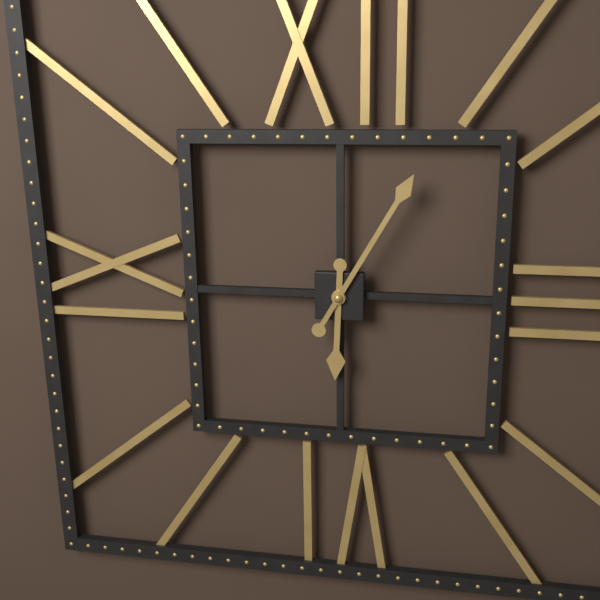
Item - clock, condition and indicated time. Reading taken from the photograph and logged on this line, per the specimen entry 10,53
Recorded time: 6,05
